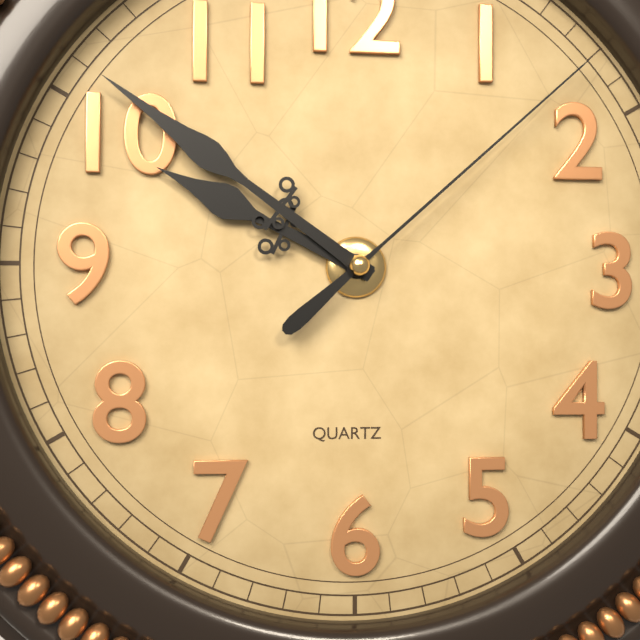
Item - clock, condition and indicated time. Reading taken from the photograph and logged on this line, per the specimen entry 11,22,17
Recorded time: 9,51,08
